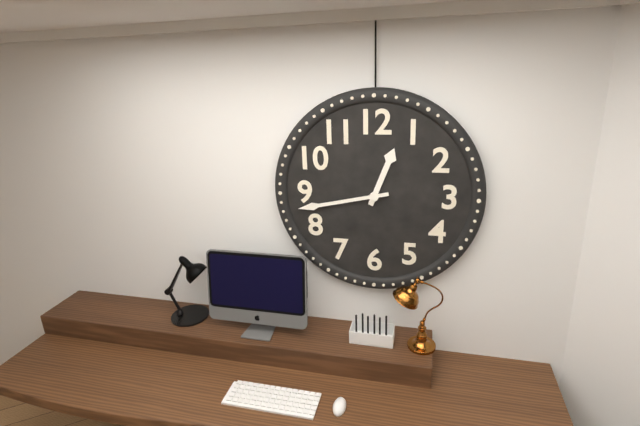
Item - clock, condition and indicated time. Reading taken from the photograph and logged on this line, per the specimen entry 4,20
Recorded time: 12,43
